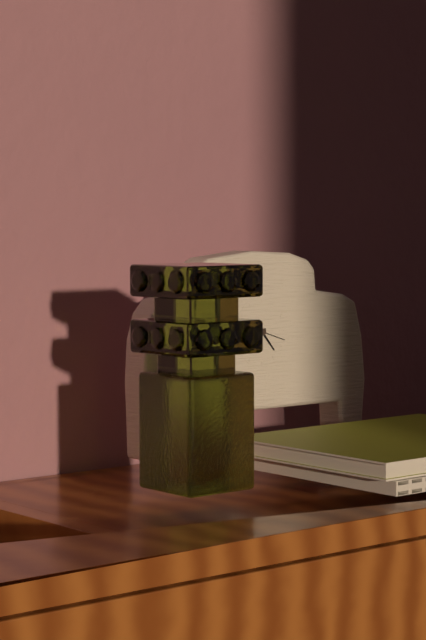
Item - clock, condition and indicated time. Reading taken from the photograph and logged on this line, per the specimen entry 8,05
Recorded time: 4,40
